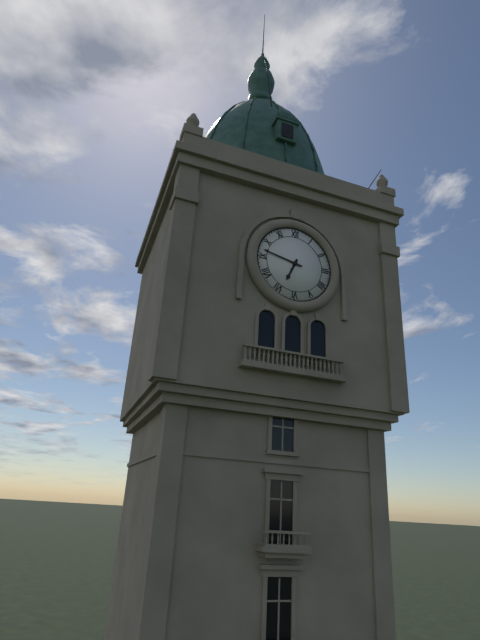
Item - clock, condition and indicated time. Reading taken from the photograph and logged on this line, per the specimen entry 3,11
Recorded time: 6,47
